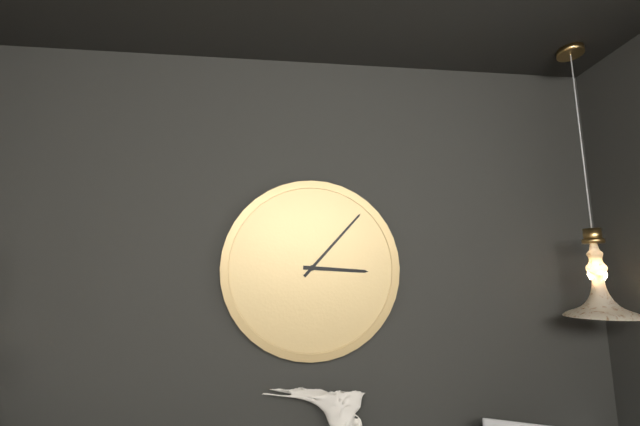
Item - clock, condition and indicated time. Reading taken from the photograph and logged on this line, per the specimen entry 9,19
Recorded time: 3,07
